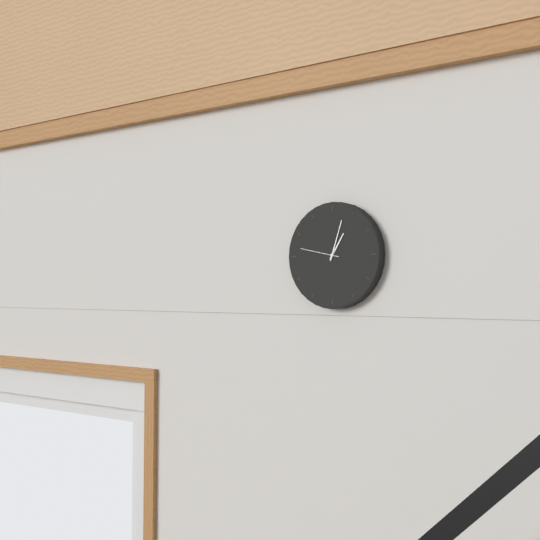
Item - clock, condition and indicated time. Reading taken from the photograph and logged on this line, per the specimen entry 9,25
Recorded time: 1,03
